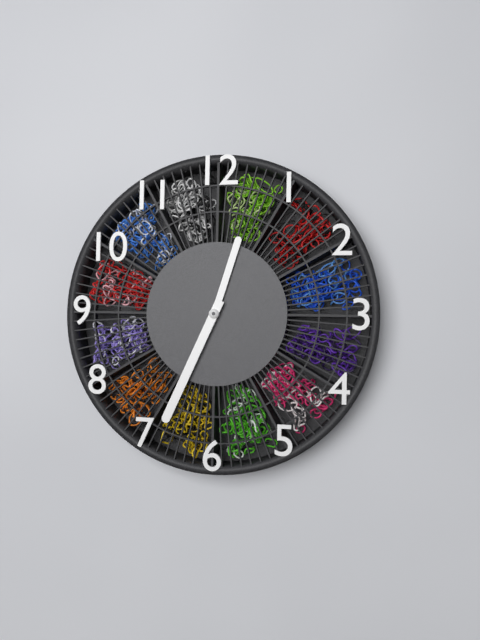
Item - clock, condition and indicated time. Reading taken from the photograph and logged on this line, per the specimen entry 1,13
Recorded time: 12,34
